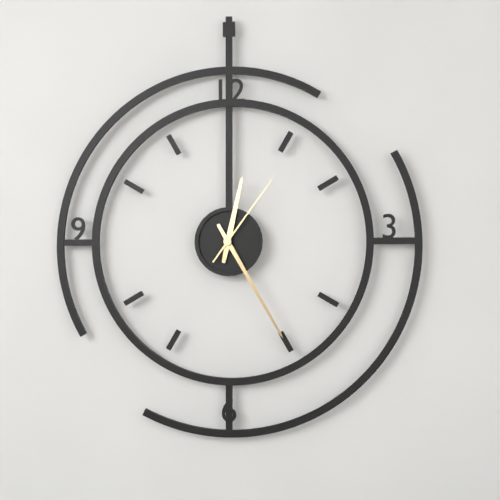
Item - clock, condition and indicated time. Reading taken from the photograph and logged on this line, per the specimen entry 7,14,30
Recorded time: 12,25,06
